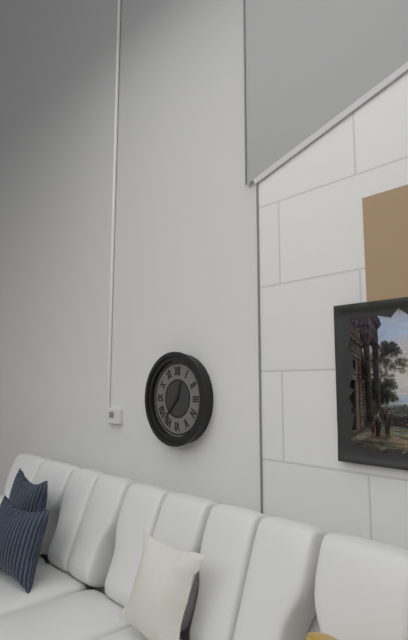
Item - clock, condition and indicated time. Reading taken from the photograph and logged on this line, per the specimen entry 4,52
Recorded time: 12,37
